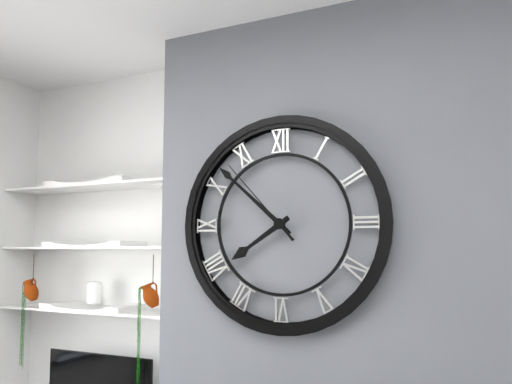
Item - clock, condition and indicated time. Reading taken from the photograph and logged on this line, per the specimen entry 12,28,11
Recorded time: 7,52,53
